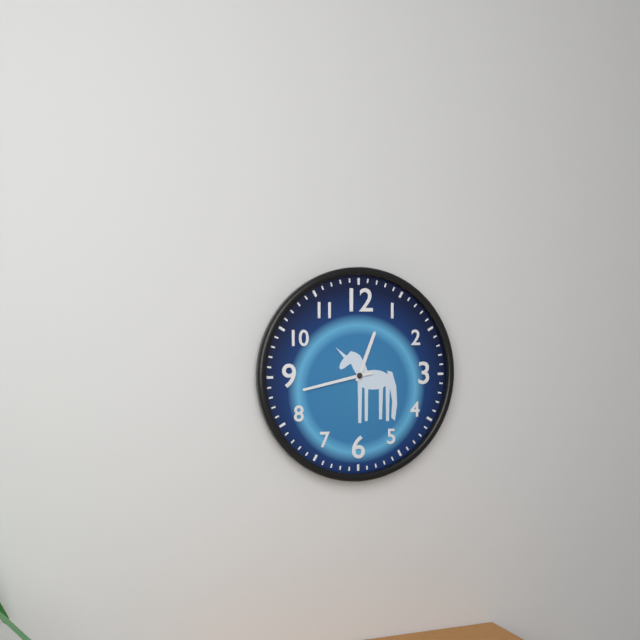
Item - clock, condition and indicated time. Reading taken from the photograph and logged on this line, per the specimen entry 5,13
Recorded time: 12,43
